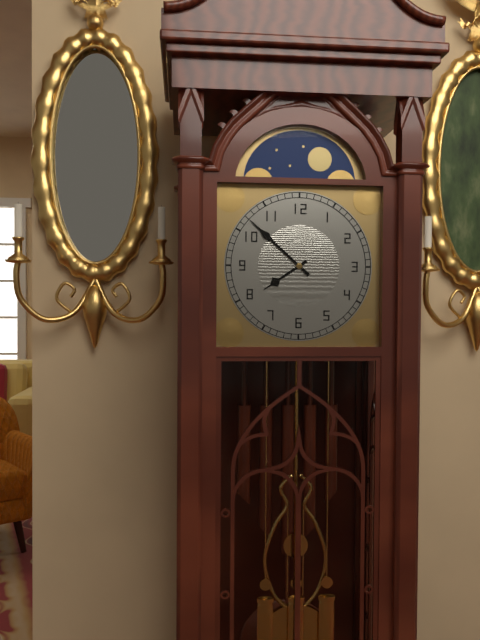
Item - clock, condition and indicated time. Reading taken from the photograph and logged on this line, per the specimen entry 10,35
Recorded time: 7,52
